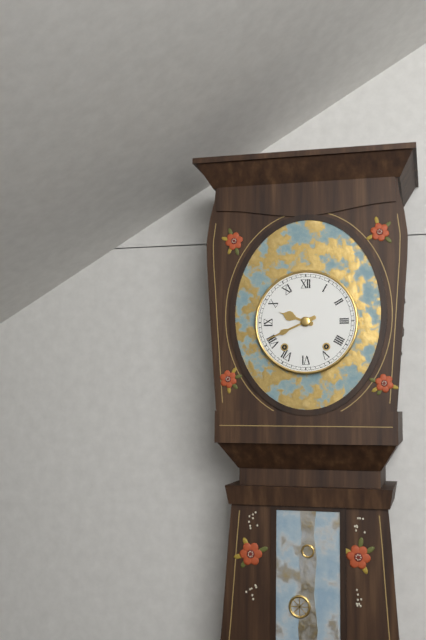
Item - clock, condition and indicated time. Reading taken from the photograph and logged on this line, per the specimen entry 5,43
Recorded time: 9,41
